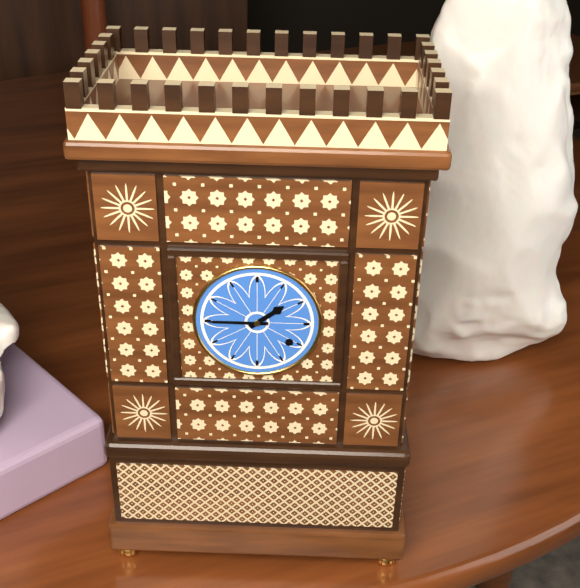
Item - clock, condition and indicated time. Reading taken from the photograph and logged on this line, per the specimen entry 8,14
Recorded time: 1,45
